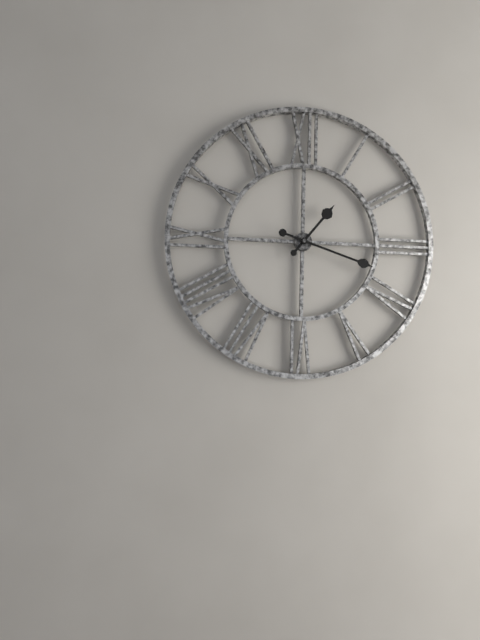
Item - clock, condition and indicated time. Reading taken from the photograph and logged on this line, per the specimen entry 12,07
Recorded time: 1,18
